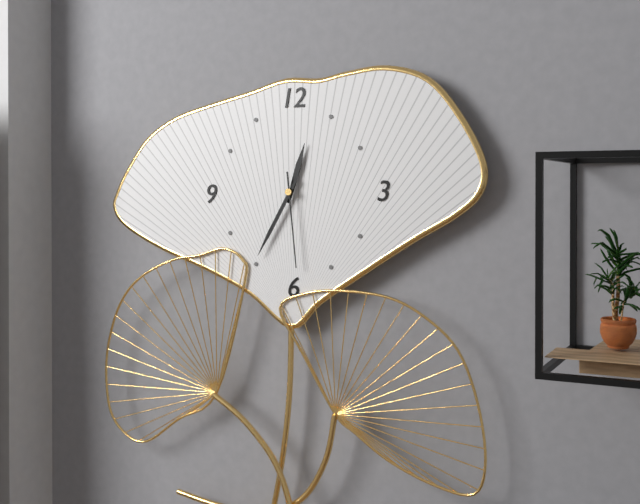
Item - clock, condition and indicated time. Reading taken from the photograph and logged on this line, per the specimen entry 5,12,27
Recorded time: 12,35,29
